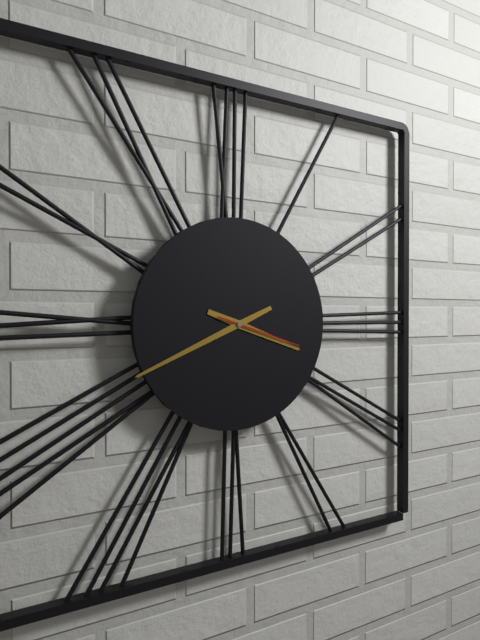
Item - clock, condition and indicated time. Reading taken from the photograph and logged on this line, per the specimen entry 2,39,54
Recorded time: 3,41,18
